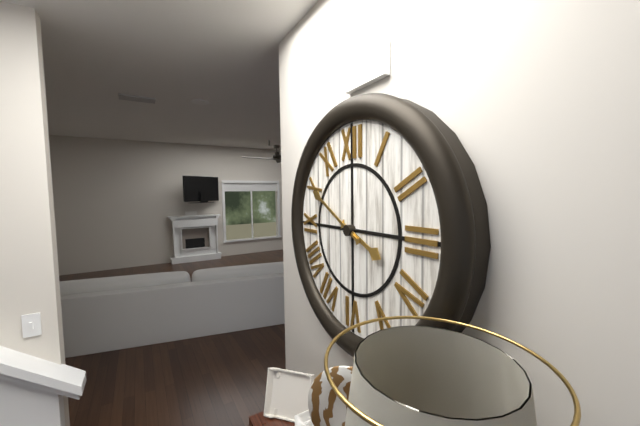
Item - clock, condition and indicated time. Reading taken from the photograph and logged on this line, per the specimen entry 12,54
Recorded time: 3,50
